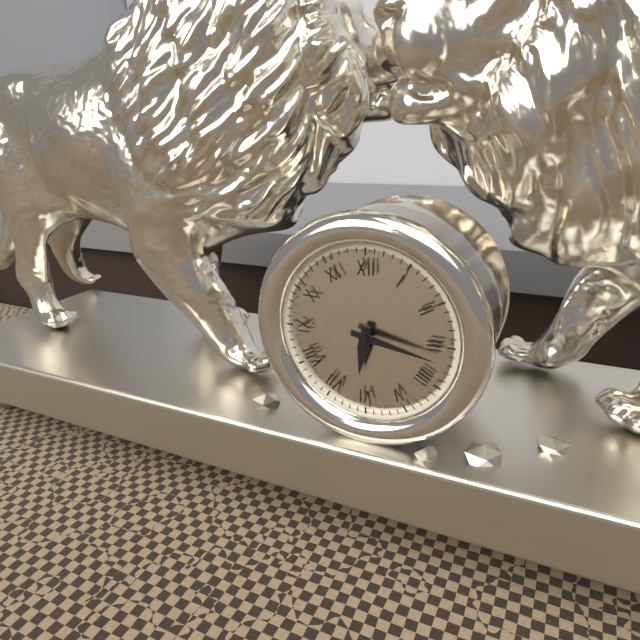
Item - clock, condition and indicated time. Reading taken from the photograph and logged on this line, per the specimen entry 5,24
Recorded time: 6,17
